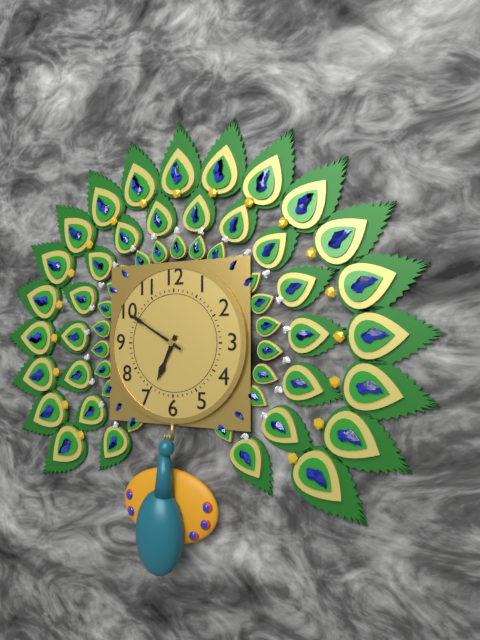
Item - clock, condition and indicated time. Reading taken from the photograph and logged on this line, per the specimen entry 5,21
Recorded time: 6,50
